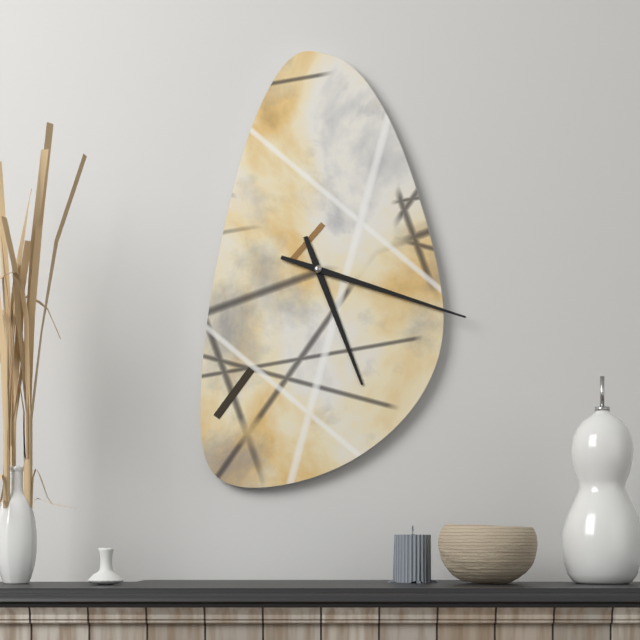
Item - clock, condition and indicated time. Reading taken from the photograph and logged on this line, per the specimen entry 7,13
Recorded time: 5,18
